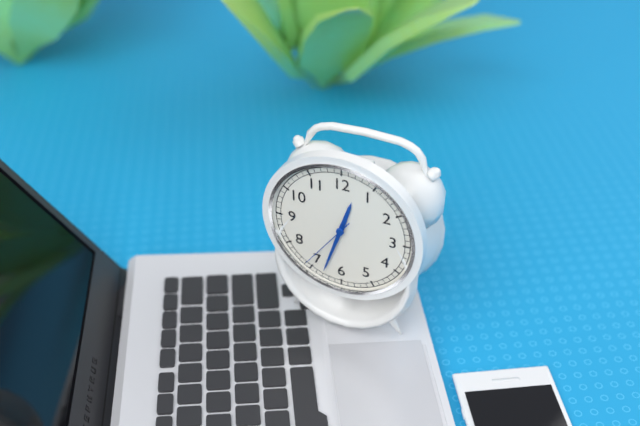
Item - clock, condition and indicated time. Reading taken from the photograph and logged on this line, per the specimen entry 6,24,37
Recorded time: 12,33,36
